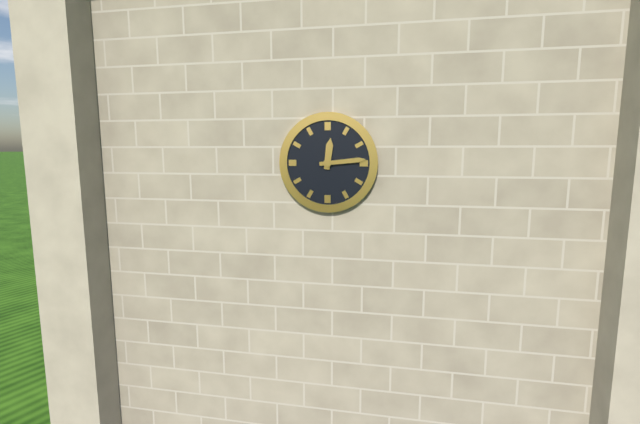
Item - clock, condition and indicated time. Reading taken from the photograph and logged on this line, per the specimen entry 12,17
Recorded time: 12,14
